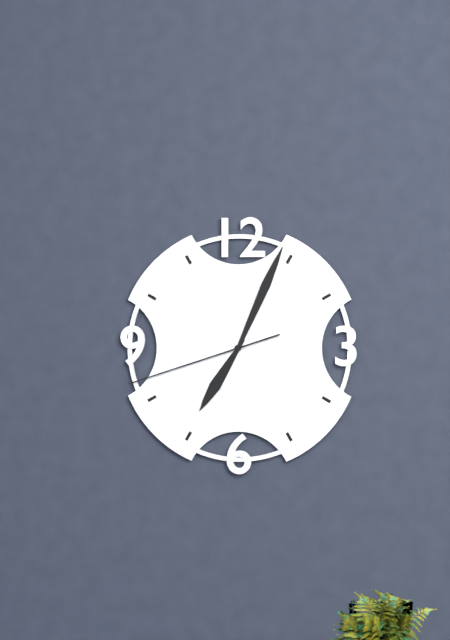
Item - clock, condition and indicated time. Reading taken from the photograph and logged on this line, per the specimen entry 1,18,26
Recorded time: 7,04,42
